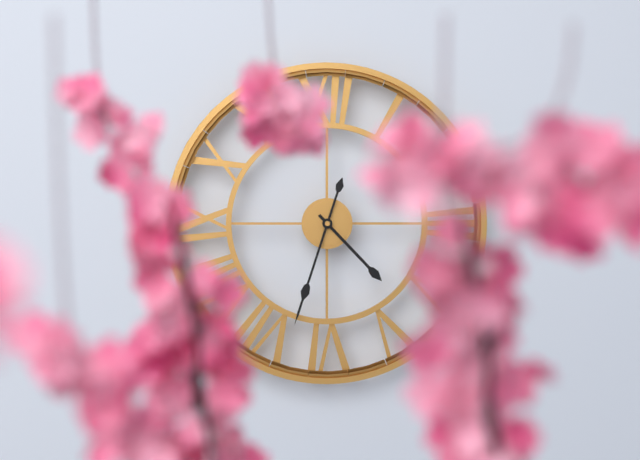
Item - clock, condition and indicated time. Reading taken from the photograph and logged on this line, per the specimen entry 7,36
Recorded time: 4,33
